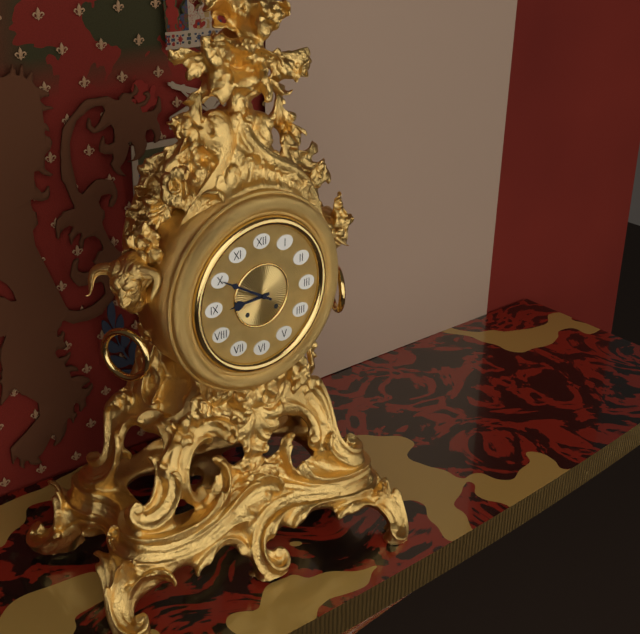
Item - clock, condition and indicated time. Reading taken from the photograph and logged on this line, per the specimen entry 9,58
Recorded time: 8,50
